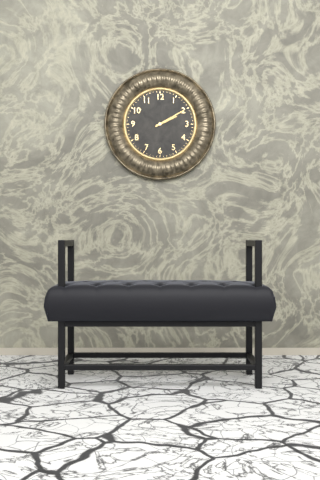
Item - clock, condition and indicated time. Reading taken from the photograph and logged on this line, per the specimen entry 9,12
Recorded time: 2,10
